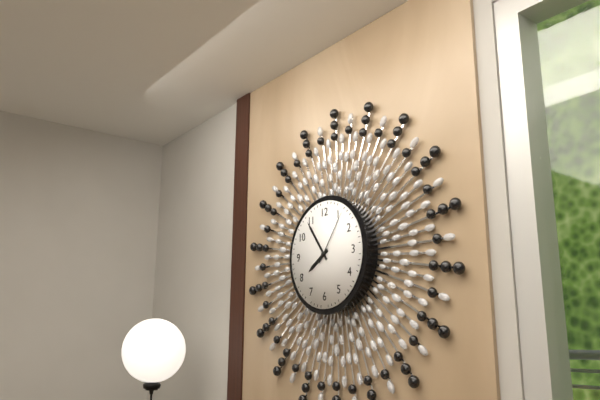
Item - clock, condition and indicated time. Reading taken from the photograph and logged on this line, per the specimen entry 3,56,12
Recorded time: 7,54,06
